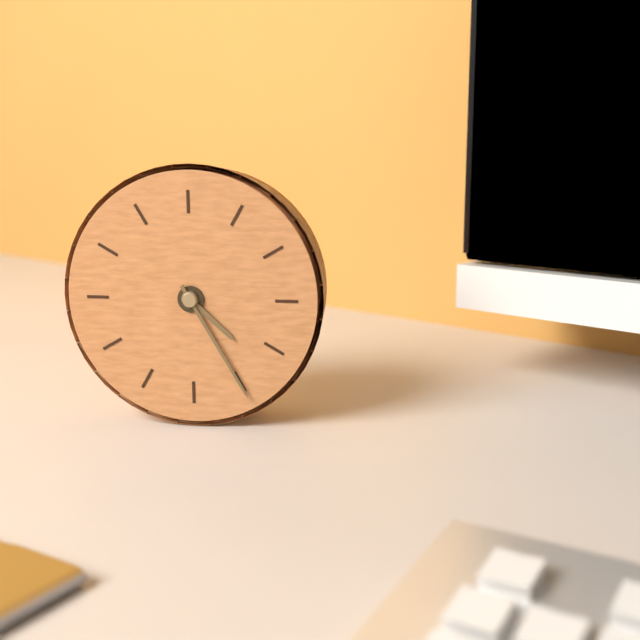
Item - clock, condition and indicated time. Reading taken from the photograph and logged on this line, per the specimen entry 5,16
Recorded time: 4,25
